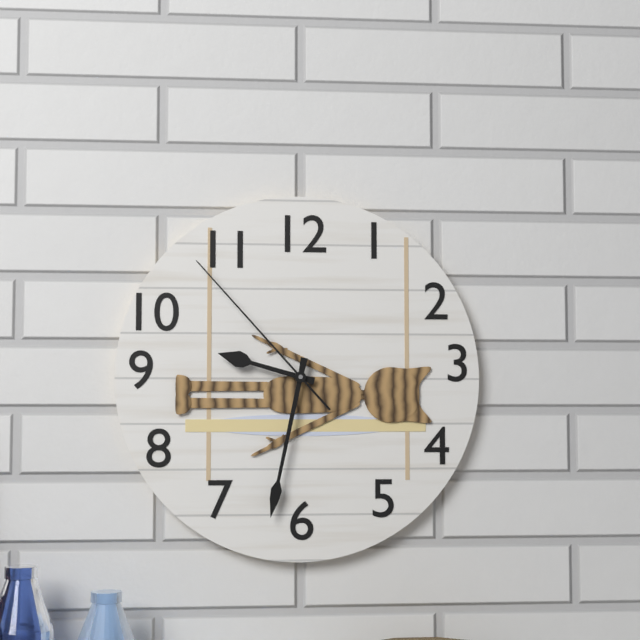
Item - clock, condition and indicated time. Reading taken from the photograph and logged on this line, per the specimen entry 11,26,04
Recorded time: 9,32,53
